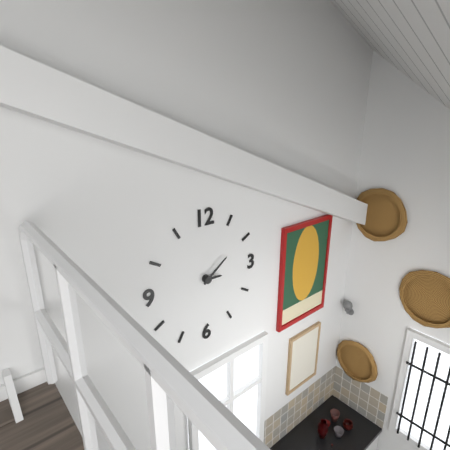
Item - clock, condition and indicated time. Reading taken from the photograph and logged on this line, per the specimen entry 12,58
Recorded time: 3,09
